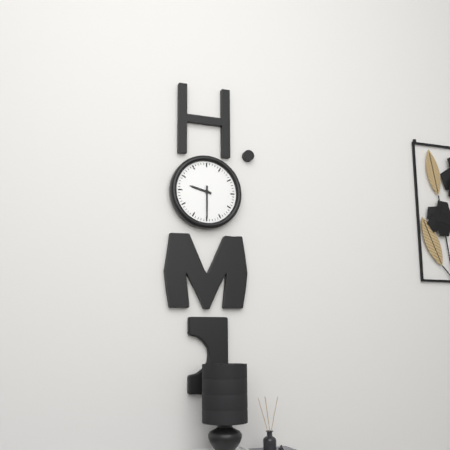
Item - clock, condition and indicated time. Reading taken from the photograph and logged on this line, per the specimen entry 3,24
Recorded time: 9,30
